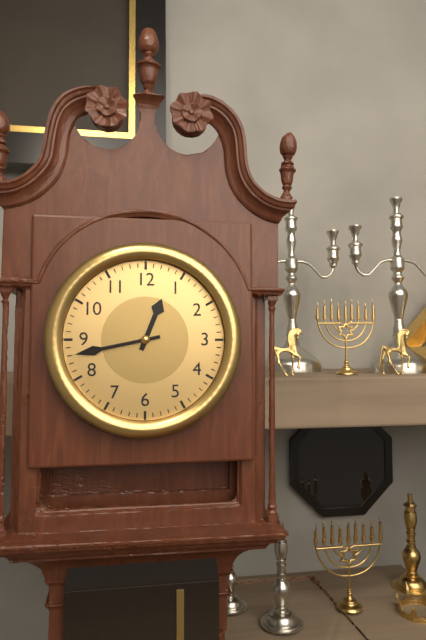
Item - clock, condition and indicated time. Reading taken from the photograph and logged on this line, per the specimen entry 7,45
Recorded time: 12,43
